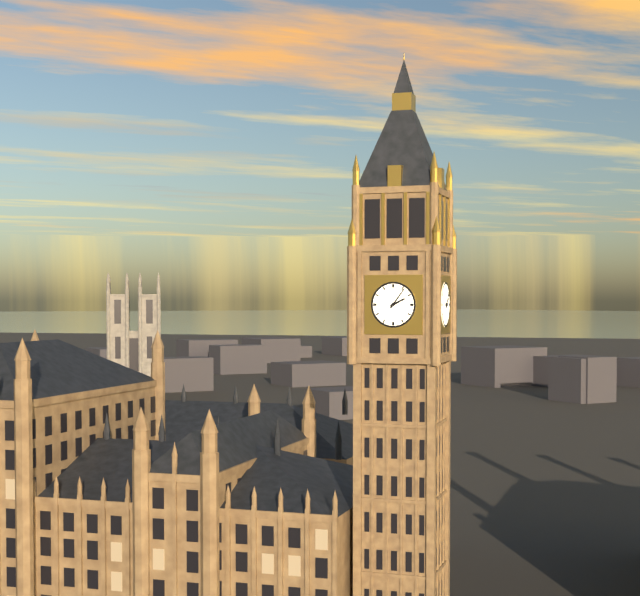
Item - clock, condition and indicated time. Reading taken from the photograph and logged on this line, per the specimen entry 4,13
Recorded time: 2,06
